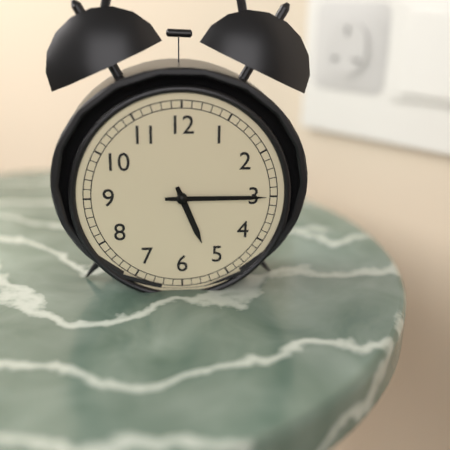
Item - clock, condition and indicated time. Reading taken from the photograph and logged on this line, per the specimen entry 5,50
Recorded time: 5,15
